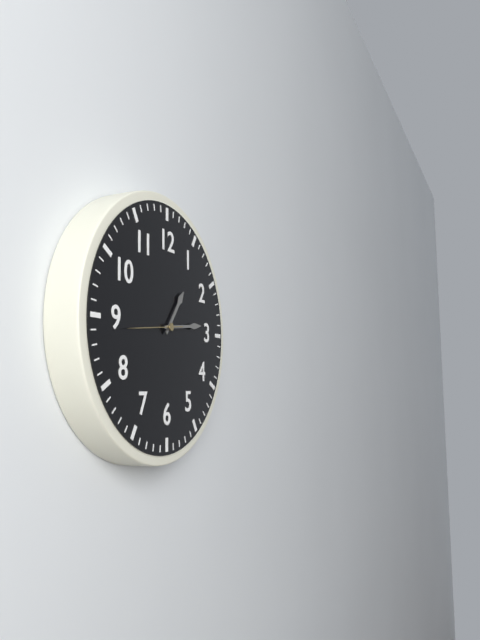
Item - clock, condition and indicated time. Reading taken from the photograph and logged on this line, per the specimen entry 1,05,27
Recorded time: 1,14,44
